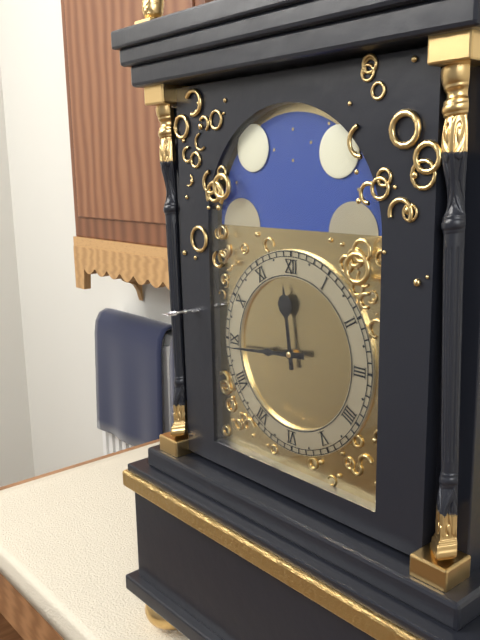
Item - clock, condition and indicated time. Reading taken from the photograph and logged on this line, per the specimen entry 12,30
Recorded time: 11,44
